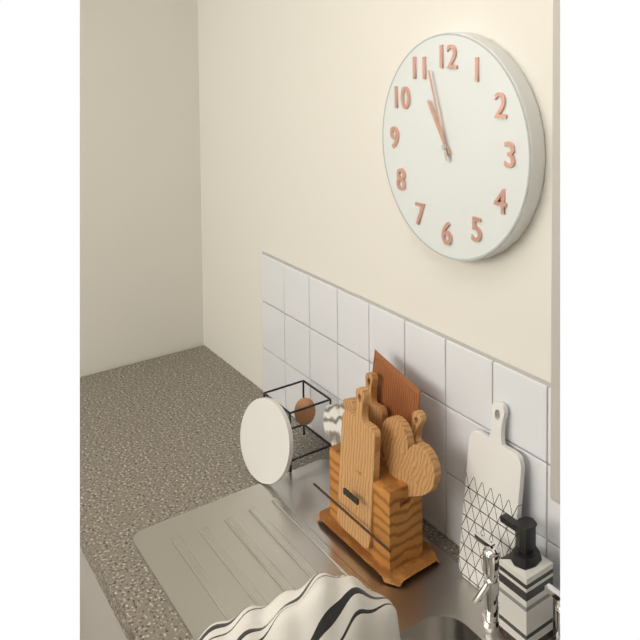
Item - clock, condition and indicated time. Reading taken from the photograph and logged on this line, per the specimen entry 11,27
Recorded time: 10,57
